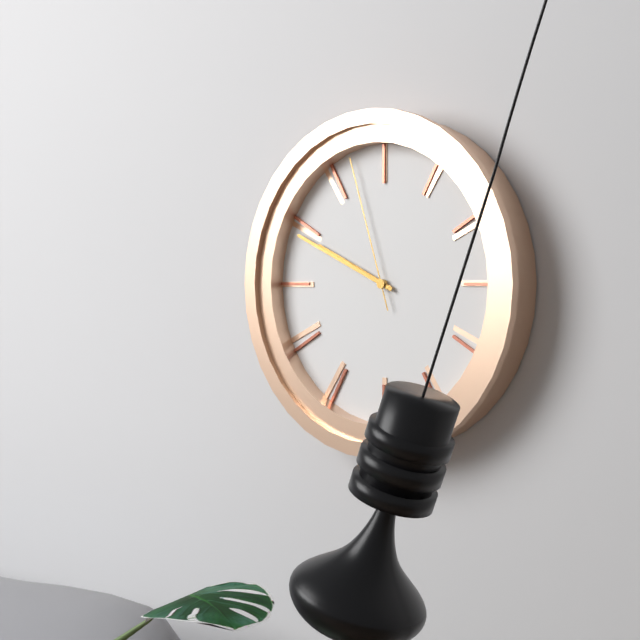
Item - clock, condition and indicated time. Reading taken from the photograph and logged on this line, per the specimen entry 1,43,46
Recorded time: 9,49,57
